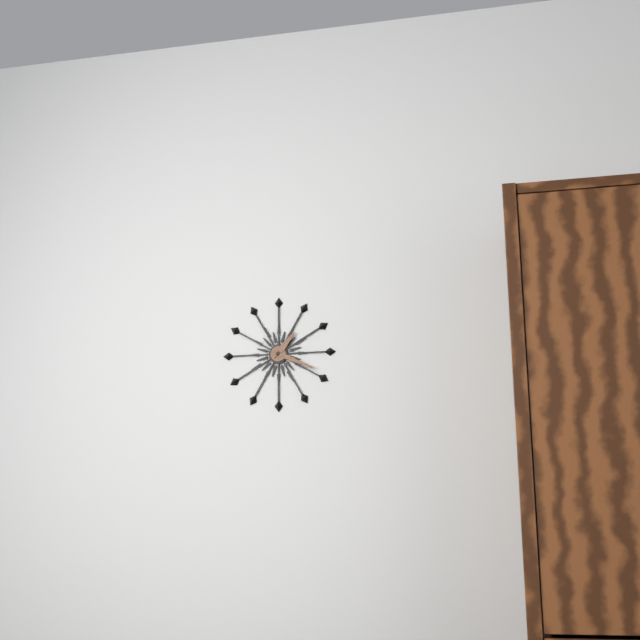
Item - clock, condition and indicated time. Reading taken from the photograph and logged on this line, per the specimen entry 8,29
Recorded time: 1,19
